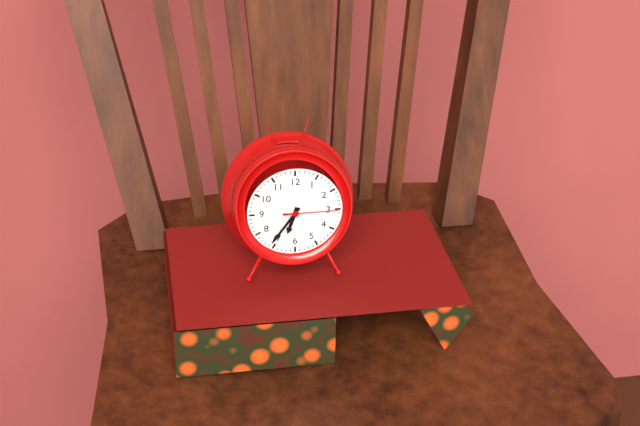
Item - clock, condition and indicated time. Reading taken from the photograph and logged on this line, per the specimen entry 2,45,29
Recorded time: 6,36,15
